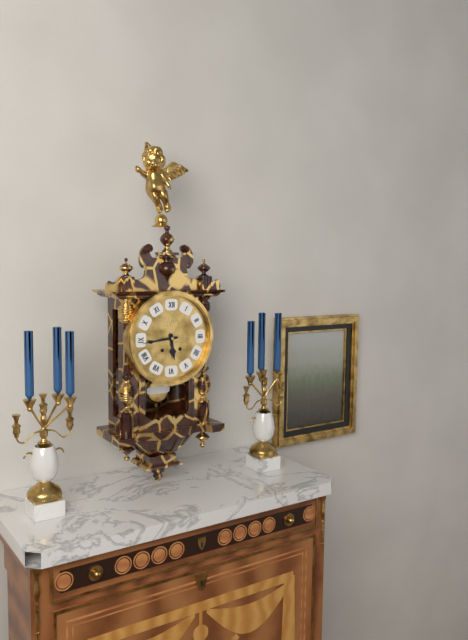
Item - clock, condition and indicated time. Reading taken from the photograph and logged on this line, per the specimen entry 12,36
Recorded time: 5,44
